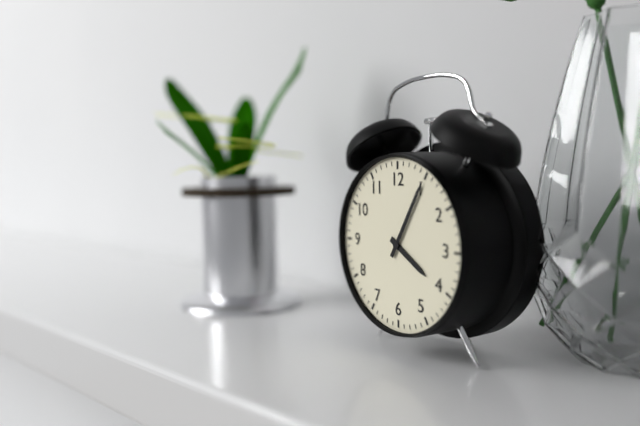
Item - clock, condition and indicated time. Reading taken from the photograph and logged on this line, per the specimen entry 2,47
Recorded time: 4,05
